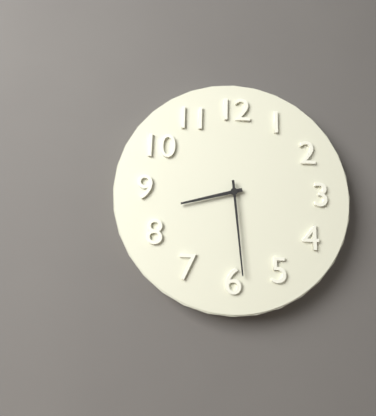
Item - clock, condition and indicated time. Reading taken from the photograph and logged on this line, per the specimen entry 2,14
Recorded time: 8,29
